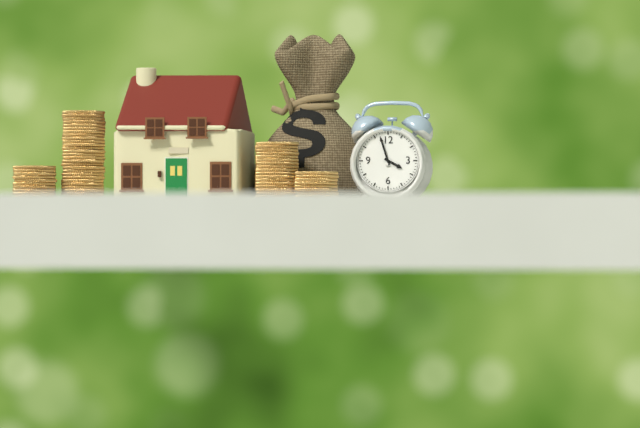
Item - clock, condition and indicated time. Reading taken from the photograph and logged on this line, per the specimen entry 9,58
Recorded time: 3,57
